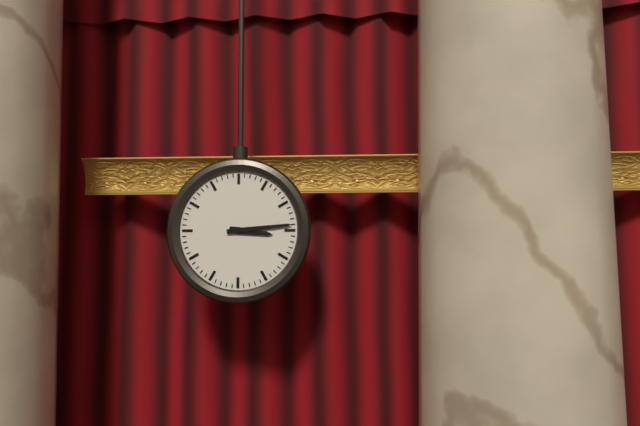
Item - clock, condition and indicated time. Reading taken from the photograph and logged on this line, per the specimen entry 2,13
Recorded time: 3,14
